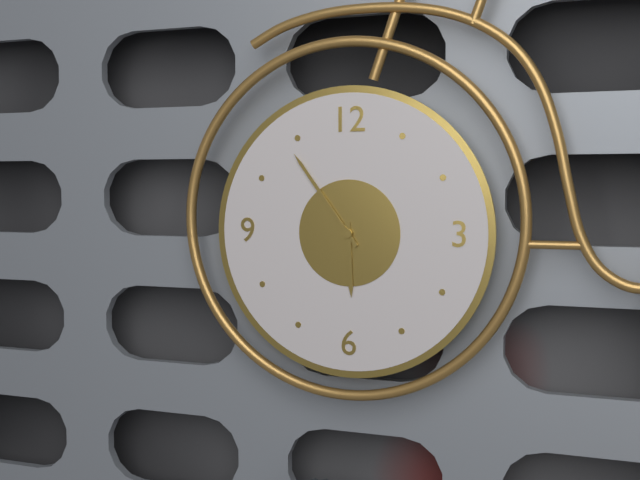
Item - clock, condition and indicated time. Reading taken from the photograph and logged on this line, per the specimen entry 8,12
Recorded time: 5,54
